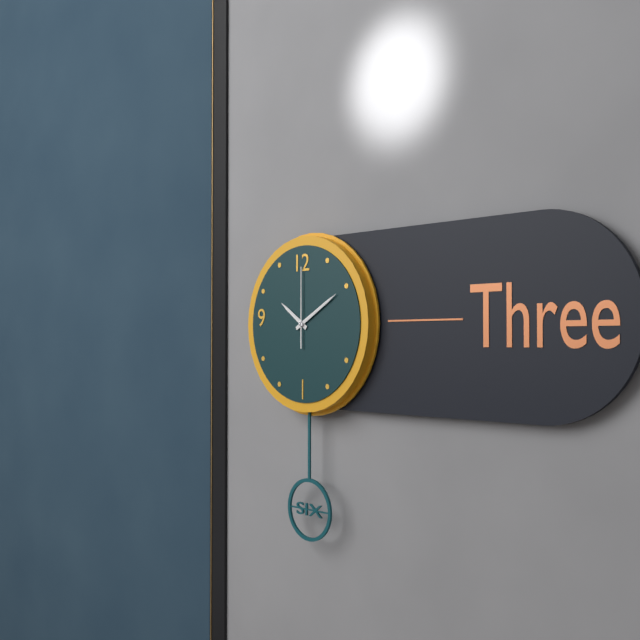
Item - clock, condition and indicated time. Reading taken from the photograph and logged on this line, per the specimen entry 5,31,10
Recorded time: 10,10,00
